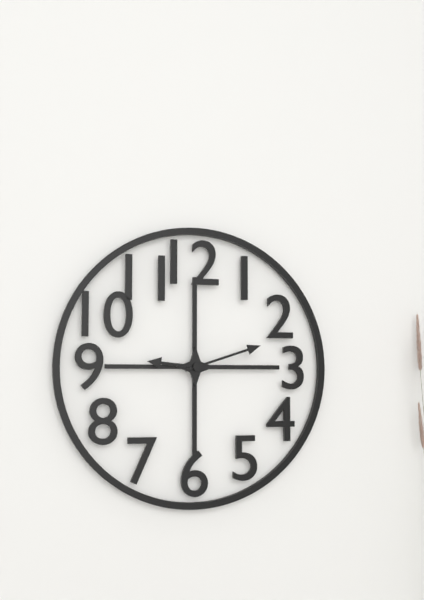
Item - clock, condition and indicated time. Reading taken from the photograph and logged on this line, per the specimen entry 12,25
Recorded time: 9,12
